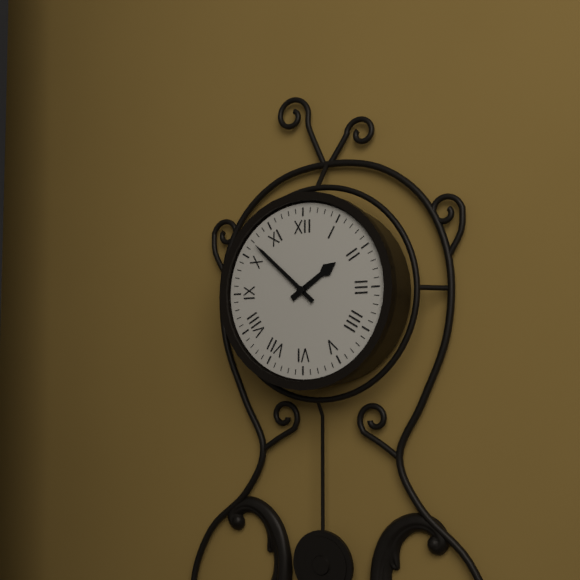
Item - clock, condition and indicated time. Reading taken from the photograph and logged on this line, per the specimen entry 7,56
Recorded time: 1,52
